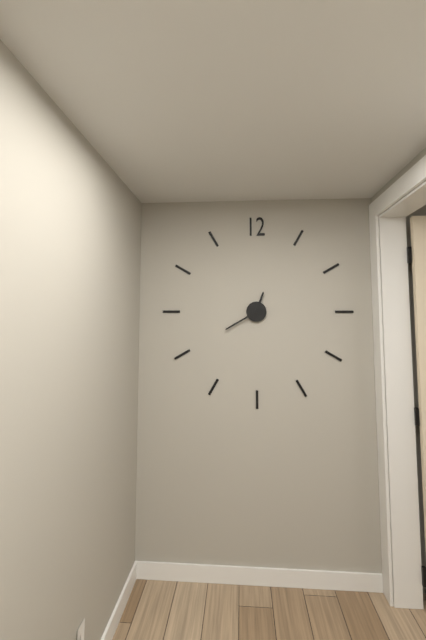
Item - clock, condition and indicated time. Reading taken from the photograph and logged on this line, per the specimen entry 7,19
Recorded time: 12,40
